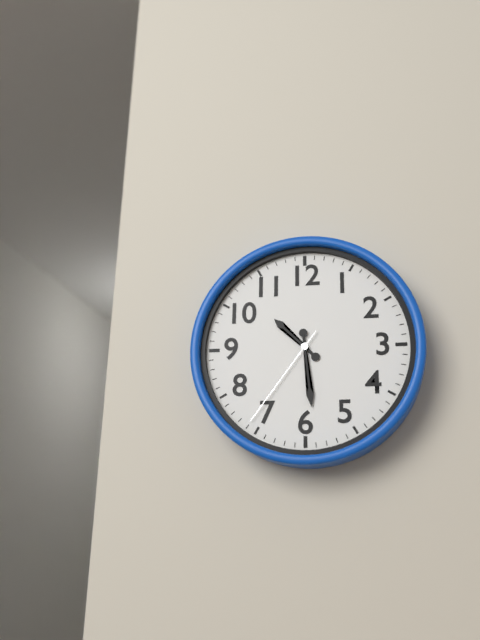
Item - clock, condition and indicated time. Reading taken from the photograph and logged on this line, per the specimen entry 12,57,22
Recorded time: 10,29,36
